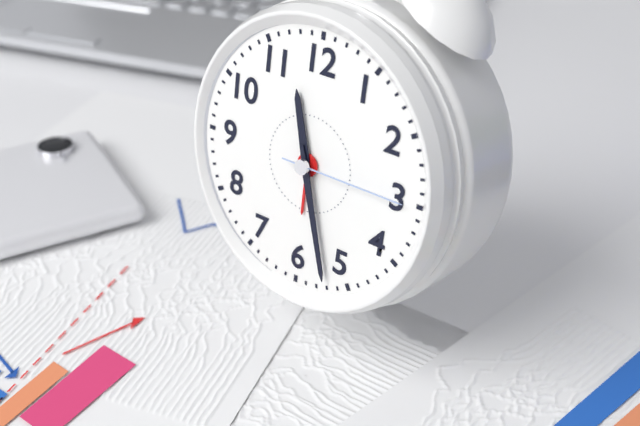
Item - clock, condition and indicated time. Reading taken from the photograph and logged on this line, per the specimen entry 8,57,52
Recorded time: 11,27,15
